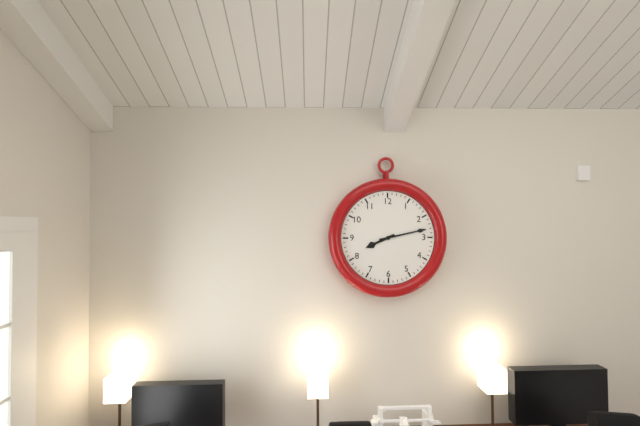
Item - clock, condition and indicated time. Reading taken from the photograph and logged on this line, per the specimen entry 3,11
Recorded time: 8,13
